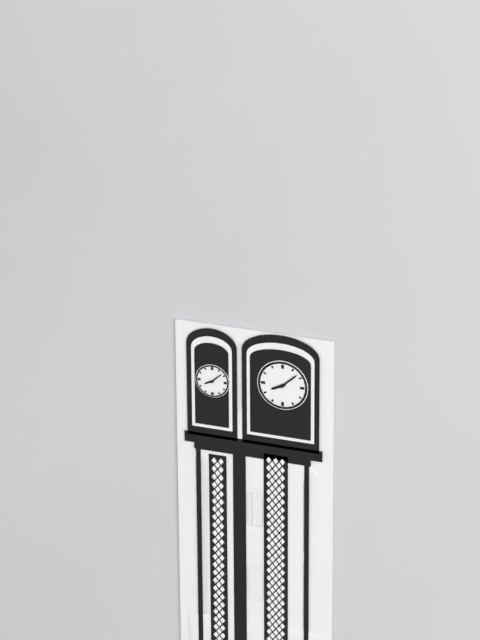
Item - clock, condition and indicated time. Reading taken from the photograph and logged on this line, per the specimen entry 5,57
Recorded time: 8,08
